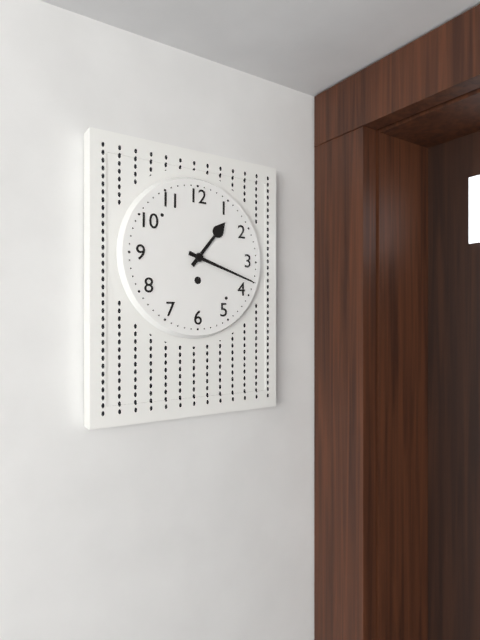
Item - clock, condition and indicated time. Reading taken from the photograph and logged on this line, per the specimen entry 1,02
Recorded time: 1,18
